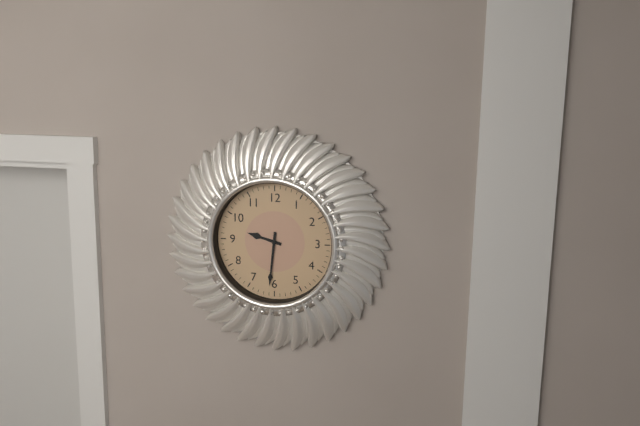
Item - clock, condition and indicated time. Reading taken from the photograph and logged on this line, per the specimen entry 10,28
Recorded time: 9,31
